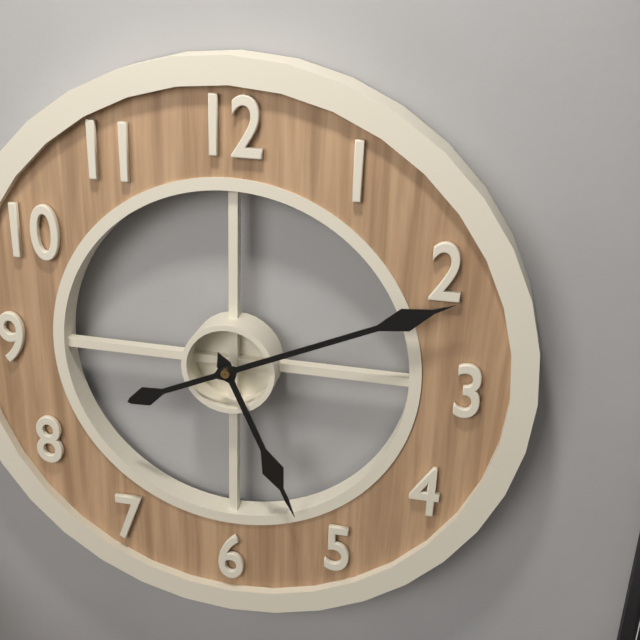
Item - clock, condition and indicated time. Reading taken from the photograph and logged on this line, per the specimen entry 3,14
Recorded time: 5,11
